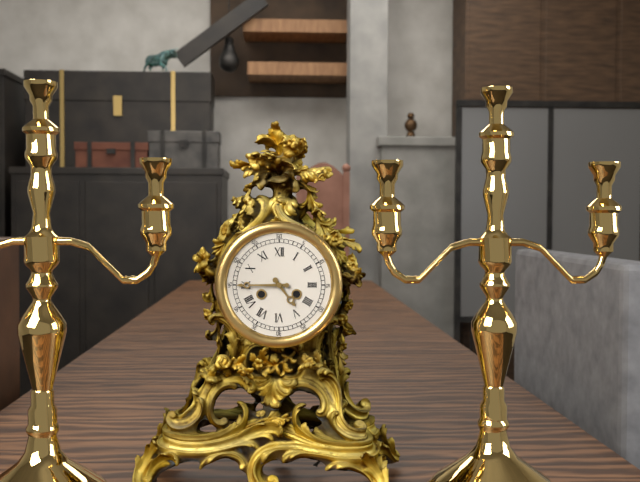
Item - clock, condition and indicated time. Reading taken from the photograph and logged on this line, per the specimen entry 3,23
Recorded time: 4,45
